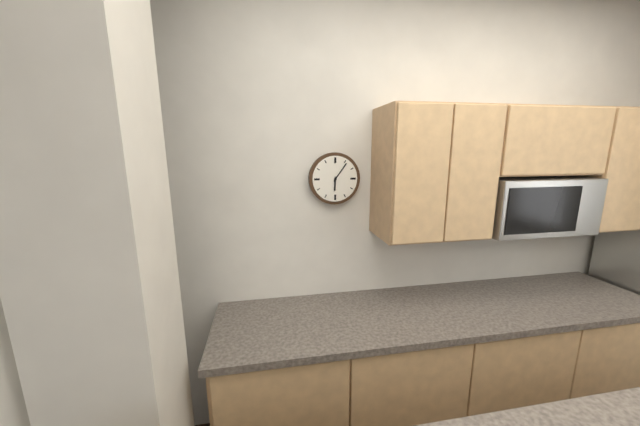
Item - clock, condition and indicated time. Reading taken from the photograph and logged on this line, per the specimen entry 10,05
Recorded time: 6,06
